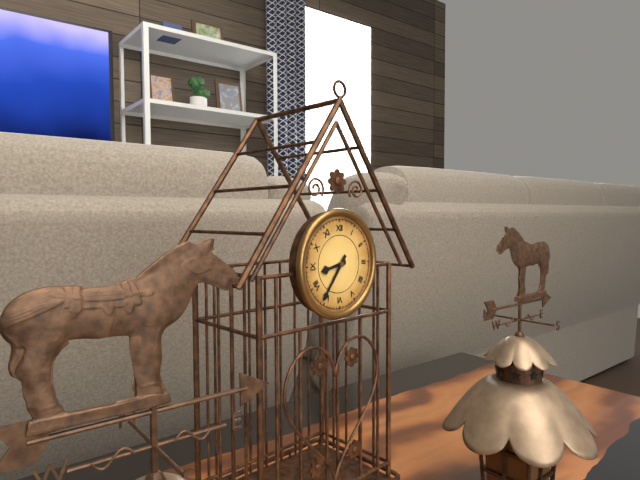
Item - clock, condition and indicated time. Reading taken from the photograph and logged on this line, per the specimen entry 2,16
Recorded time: 8,36
